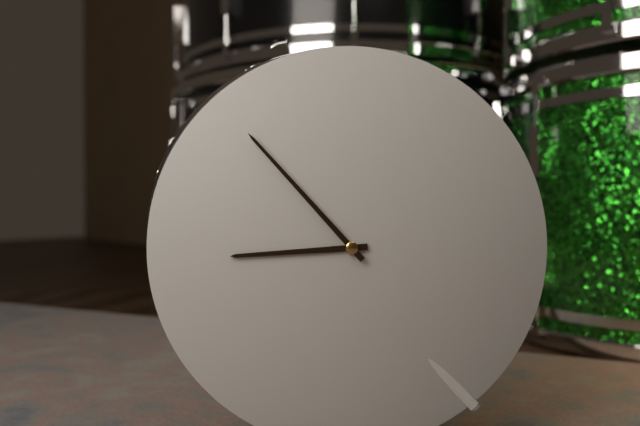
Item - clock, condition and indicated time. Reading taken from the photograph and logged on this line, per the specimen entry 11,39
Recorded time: 8,53
